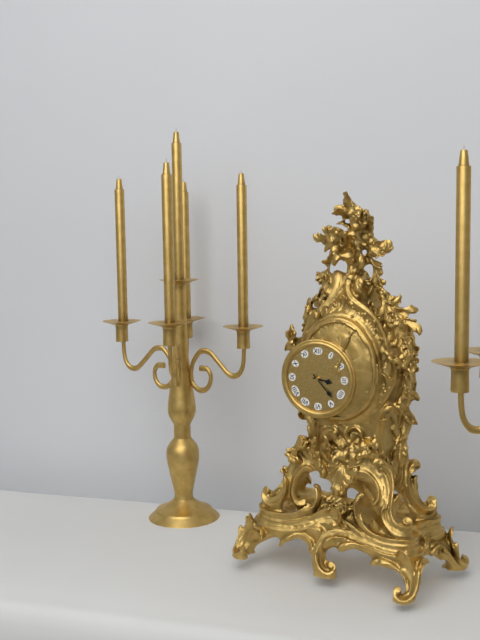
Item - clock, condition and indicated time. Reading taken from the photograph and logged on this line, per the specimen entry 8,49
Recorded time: 3,23
